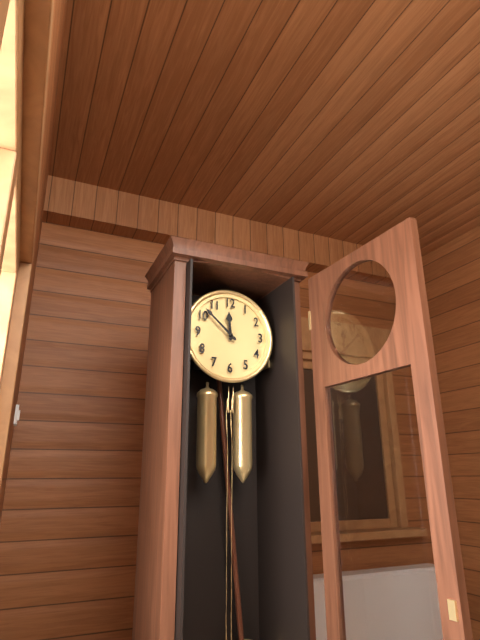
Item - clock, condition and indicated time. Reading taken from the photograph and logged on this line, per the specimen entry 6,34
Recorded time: 11,52
